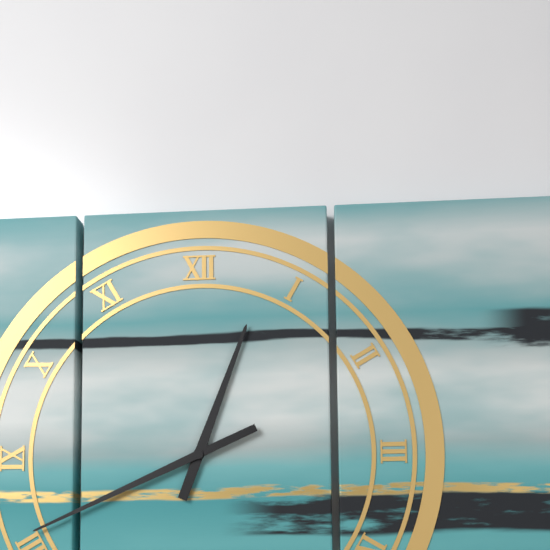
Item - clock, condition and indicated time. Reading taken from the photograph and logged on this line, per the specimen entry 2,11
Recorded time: 12,41
